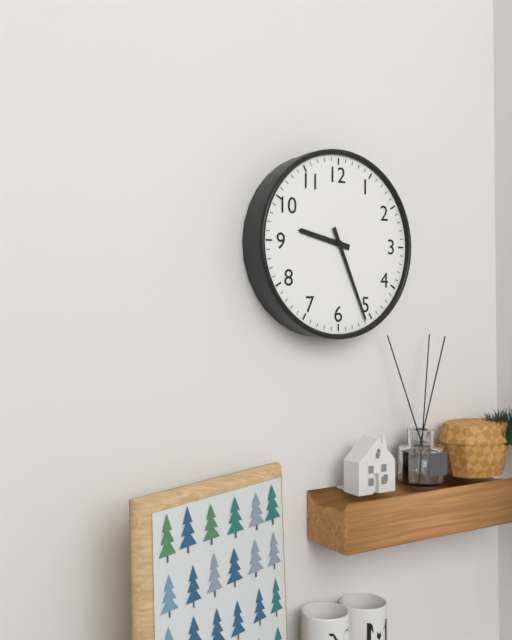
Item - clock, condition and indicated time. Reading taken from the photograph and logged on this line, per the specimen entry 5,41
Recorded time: 9,26
